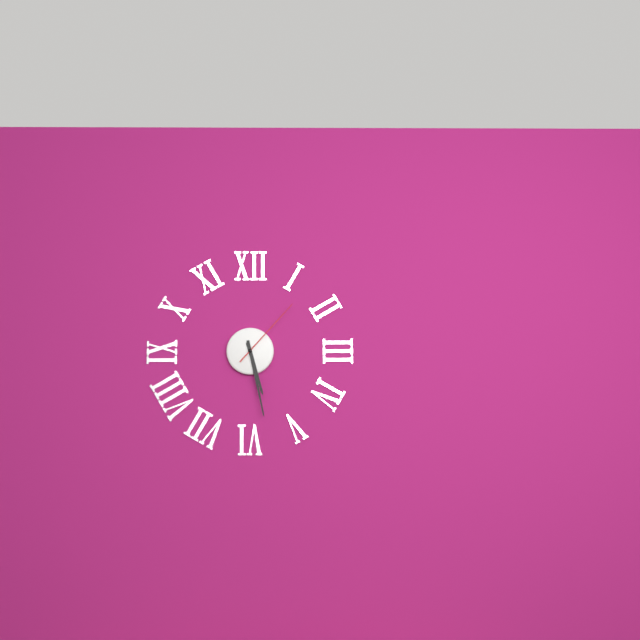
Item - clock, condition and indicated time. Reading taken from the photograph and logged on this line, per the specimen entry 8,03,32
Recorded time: 5,28,07
